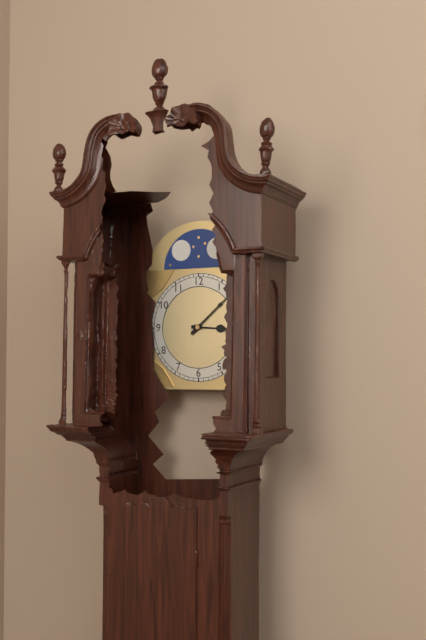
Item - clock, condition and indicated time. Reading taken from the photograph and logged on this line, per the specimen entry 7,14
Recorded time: 3,08
